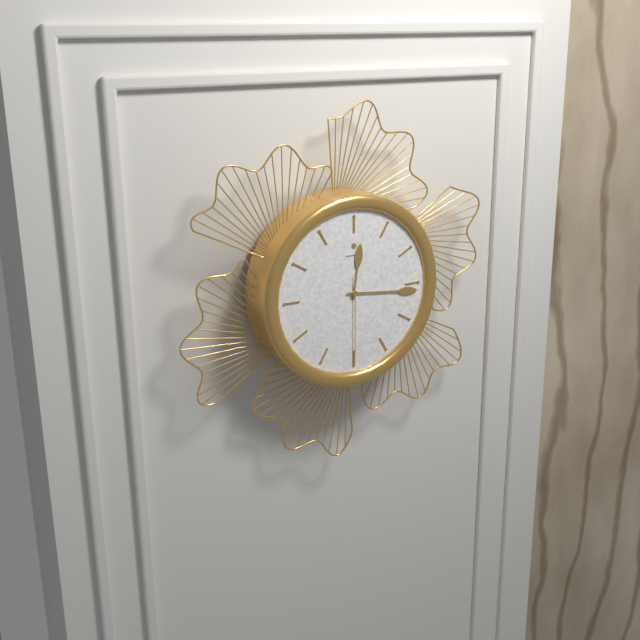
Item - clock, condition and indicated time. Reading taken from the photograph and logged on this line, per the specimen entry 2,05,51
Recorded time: 12,16,30
